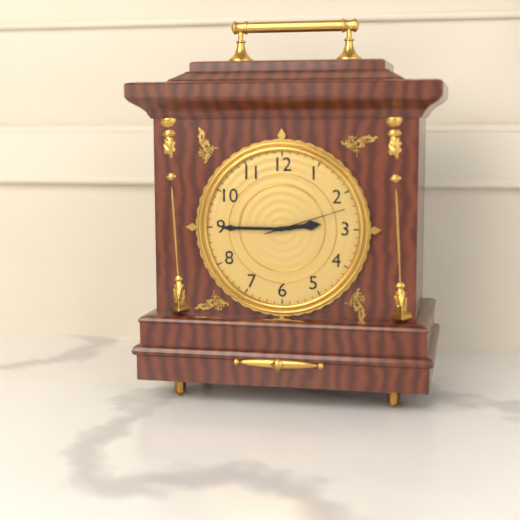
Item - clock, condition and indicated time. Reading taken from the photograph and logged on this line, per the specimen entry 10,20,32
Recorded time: 2,45,12
